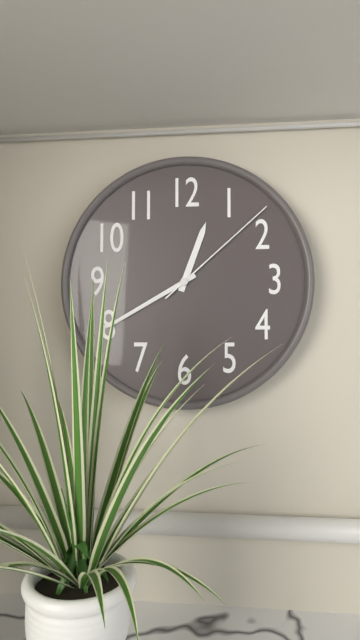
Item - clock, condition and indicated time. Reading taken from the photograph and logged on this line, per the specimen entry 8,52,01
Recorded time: 12,40,08
